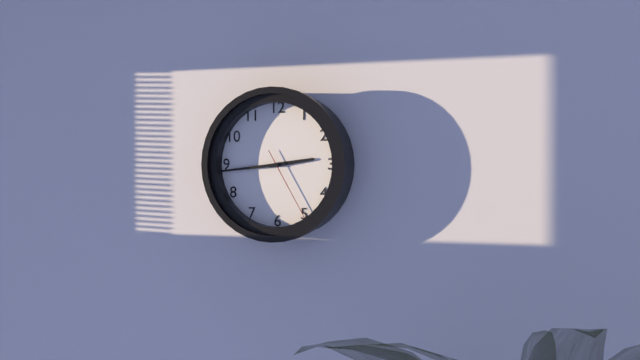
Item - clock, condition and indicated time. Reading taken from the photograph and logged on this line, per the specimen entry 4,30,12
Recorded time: 2,44,25
